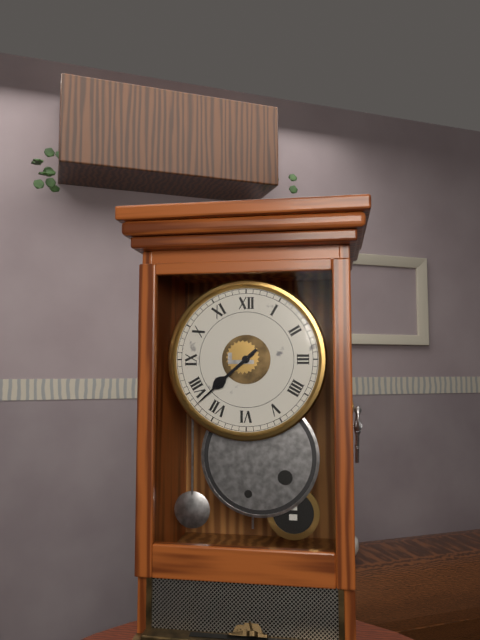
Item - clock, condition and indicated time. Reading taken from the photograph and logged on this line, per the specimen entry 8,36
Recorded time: 7,38
